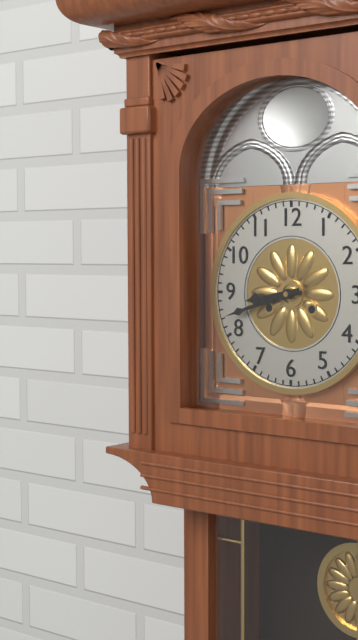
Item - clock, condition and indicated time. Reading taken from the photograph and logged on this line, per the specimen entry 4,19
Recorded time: 8,42
